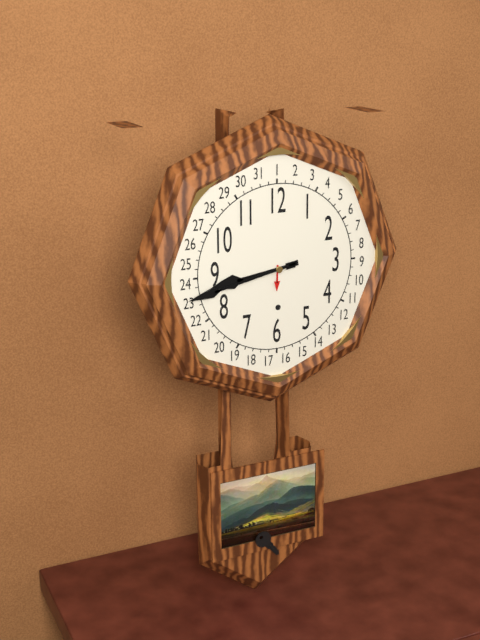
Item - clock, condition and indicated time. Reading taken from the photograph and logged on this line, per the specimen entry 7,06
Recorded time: 8,43
